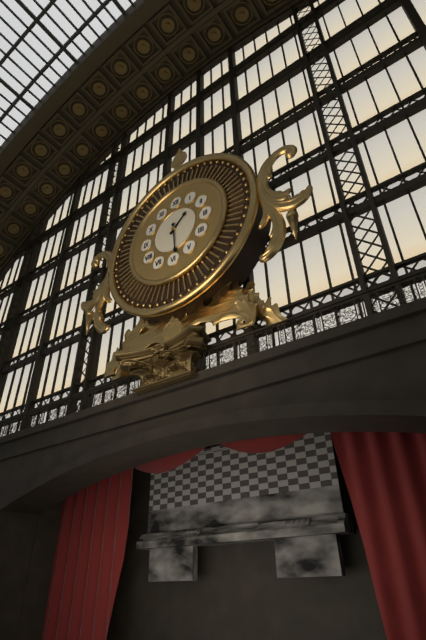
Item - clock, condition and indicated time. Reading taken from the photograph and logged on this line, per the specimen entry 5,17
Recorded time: 1,29
